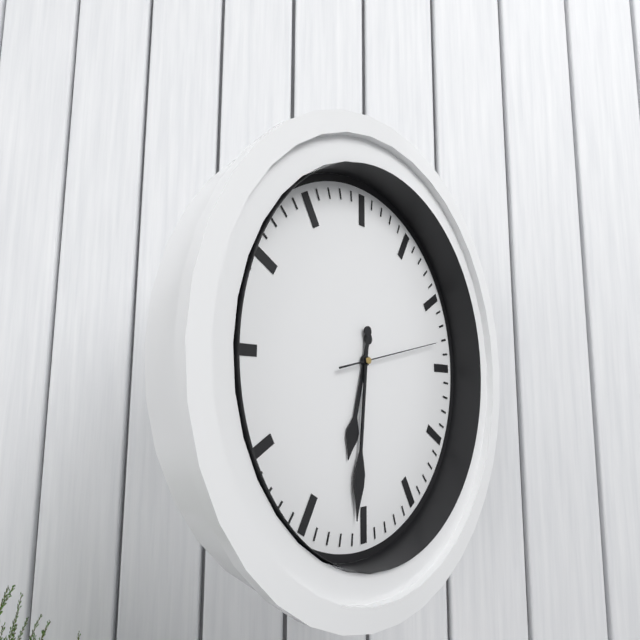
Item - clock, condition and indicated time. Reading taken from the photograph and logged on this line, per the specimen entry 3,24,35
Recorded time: 6,31,13
